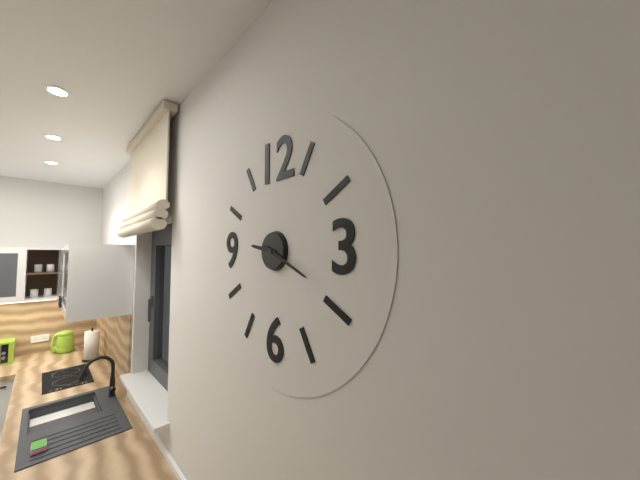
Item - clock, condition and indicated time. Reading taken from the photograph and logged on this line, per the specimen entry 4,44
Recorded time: 9,19
